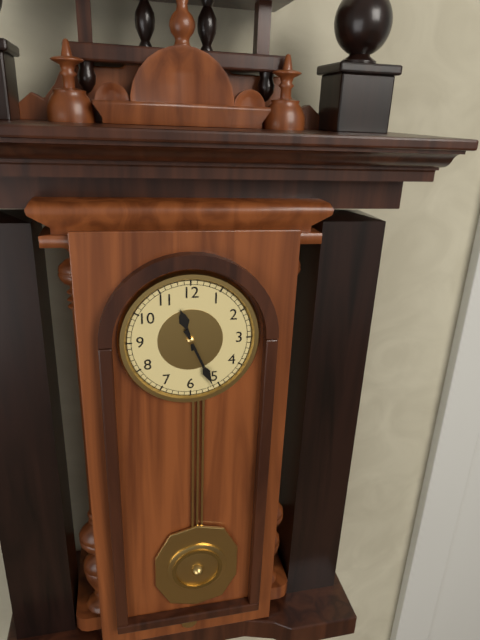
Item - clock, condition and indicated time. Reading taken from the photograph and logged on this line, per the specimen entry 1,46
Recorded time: 11,26
